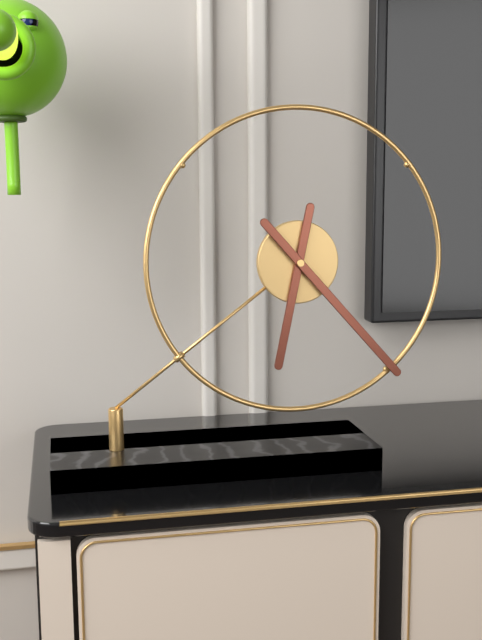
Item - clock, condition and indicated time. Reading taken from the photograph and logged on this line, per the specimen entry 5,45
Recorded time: 6,23
